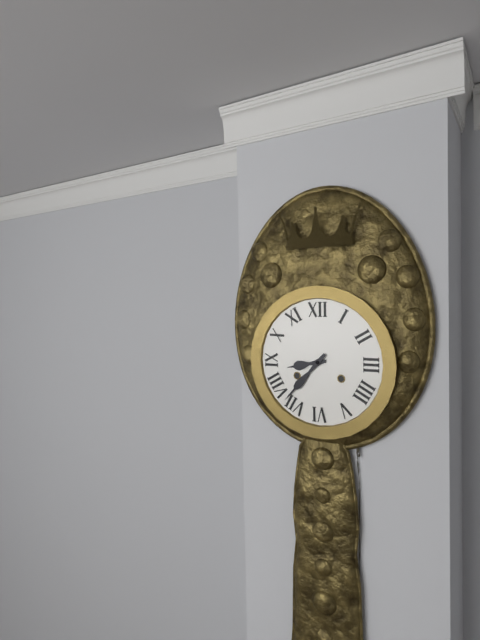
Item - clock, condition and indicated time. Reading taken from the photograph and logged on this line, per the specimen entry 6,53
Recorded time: 8,37
